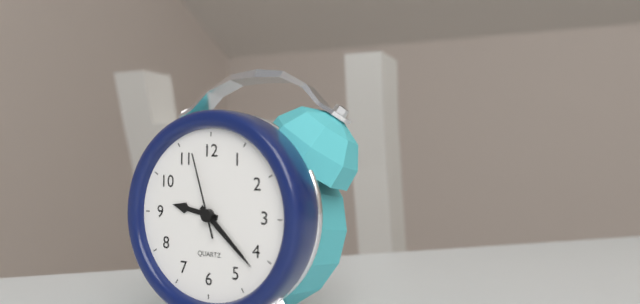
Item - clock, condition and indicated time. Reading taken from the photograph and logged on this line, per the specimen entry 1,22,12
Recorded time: 9,22,57
